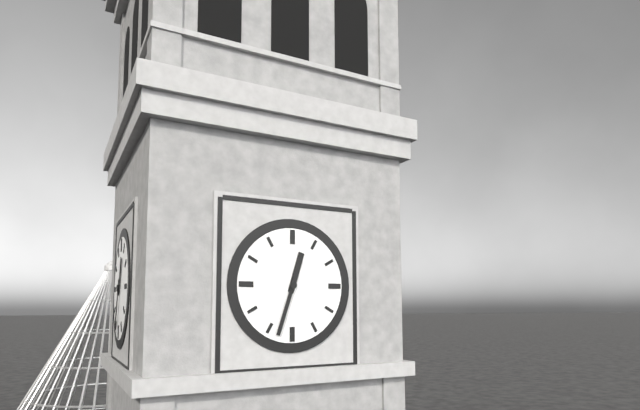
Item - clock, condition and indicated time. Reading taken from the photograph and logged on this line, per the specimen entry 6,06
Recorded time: 12,33
